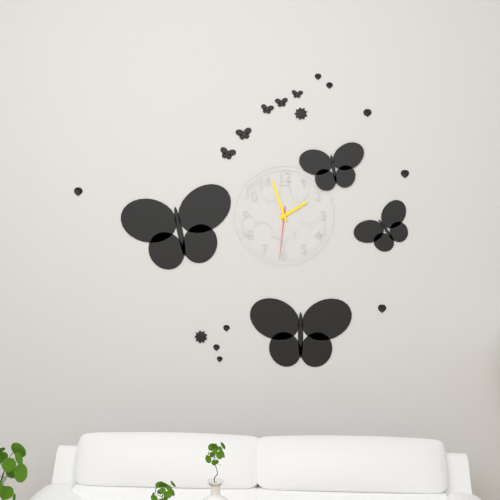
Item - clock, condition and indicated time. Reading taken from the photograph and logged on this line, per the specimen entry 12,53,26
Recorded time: 1,57,31
